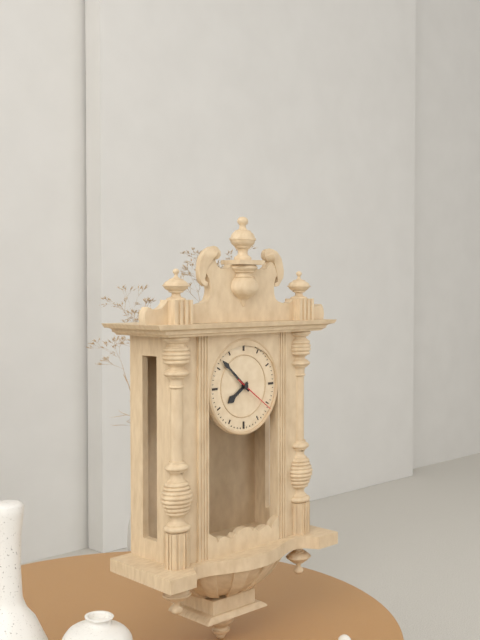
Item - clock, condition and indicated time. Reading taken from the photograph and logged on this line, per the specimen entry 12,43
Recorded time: 7,52
